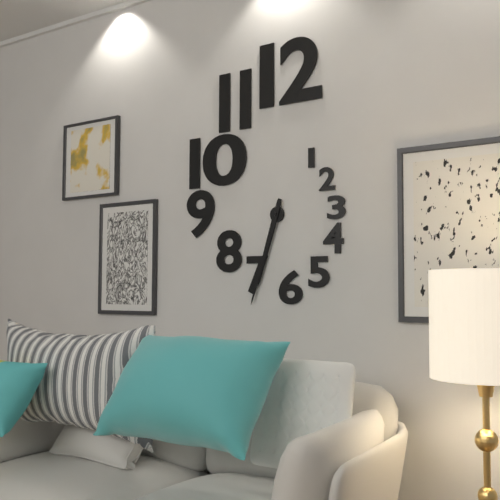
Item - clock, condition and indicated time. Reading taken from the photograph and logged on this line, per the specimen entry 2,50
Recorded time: 6,33
